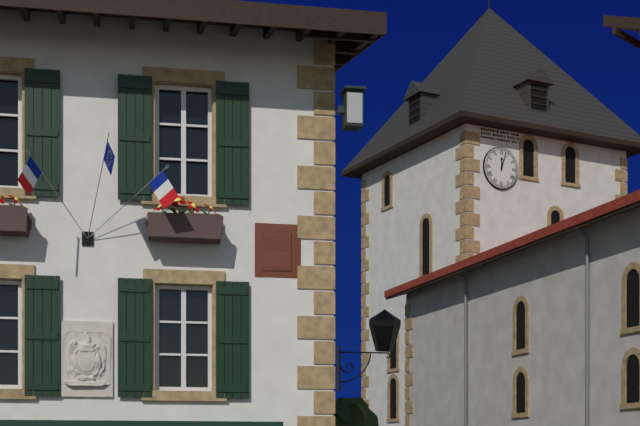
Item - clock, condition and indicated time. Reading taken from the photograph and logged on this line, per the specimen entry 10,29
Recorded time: 12,03
